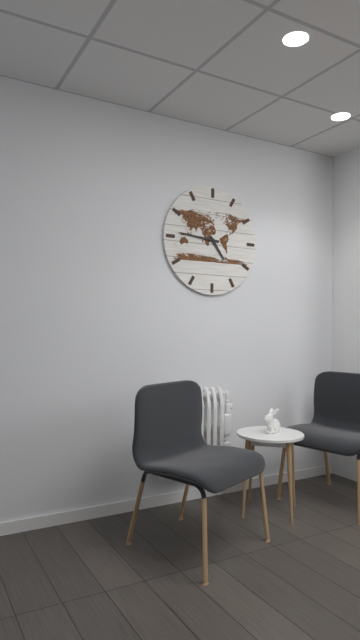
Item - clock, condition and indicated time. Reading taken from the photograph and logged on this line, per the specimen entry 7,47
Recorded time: 4,46
